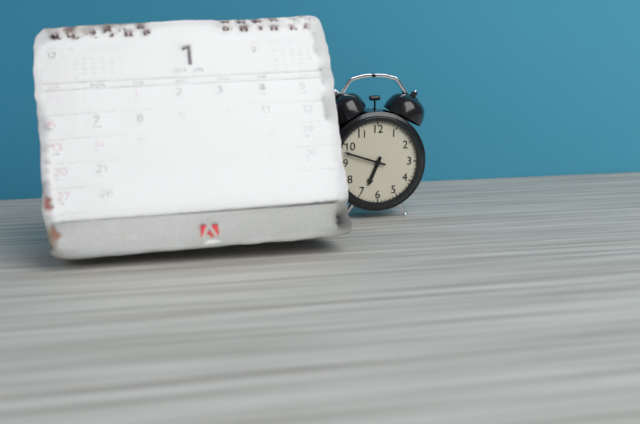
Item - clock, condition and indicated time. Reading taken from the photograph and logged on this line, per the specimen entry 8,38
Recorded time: 6,48
